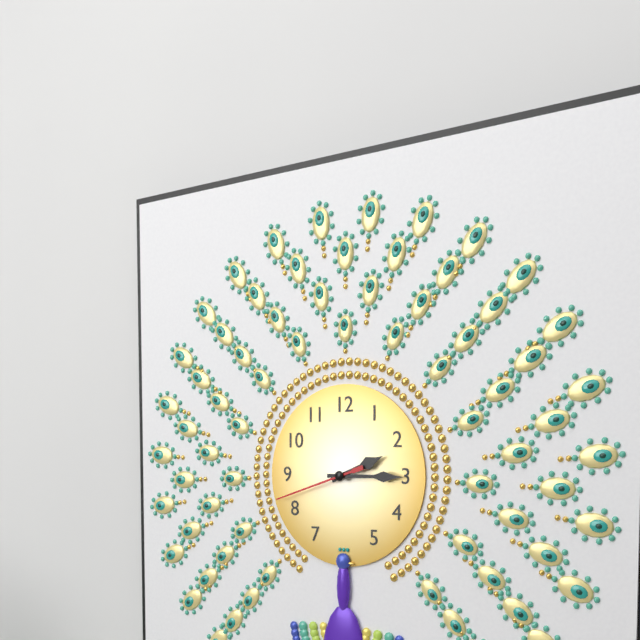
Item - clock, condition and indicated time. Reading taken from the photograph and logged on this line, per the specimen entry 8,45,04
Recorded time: 2,15,42
